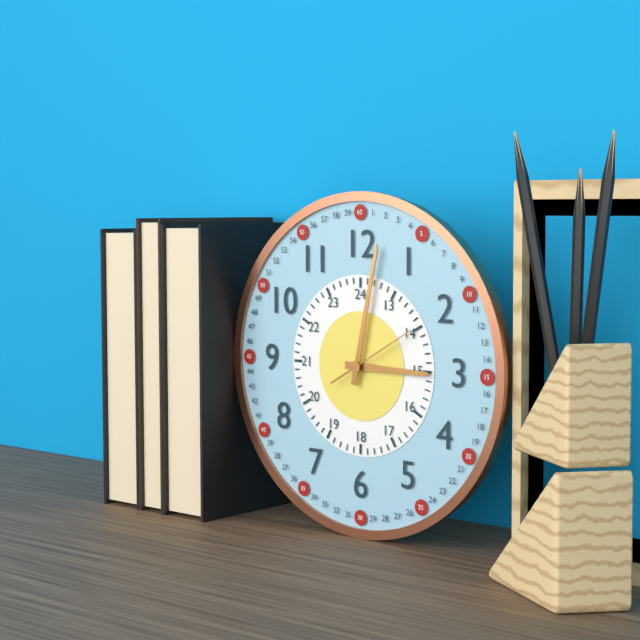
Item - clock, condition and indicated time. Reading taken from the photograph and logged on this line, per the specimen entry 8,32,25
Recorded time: 3,02,10
